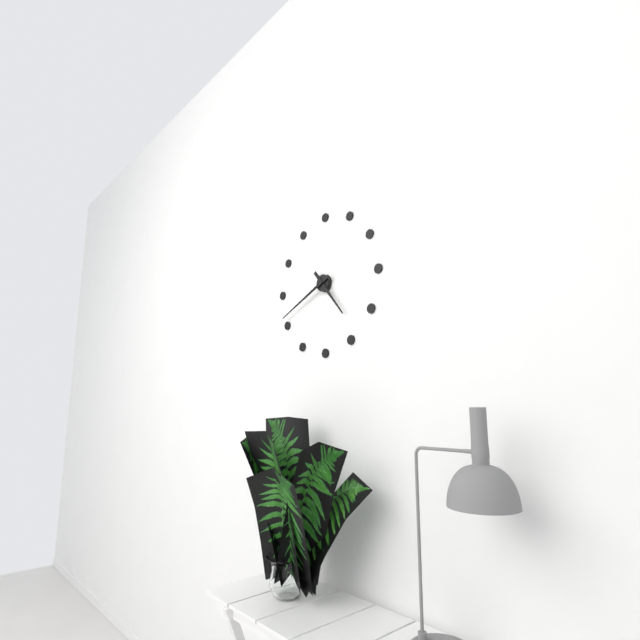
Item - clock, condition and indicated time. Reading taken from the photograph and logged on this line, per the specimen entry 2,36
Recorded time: 4,41
